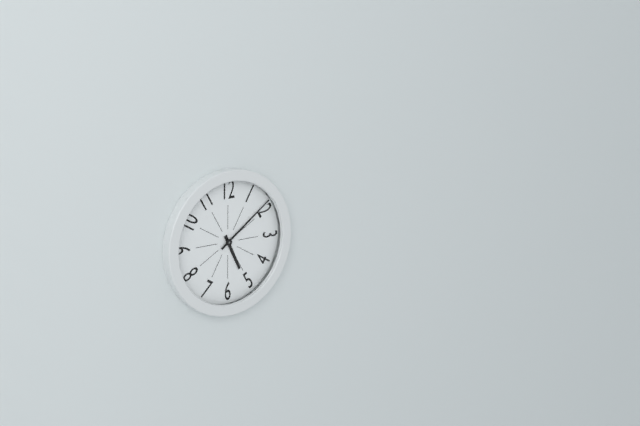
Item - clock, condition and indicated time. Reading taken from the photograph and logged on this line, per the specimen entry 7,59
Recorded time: 5,09
